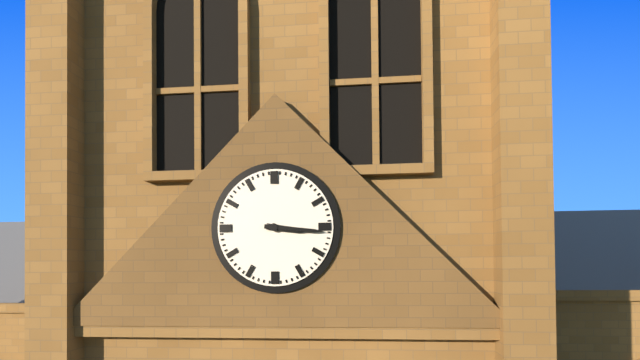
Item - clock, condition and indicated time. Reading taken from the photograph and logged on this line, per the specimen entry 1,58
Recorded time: 3,16
